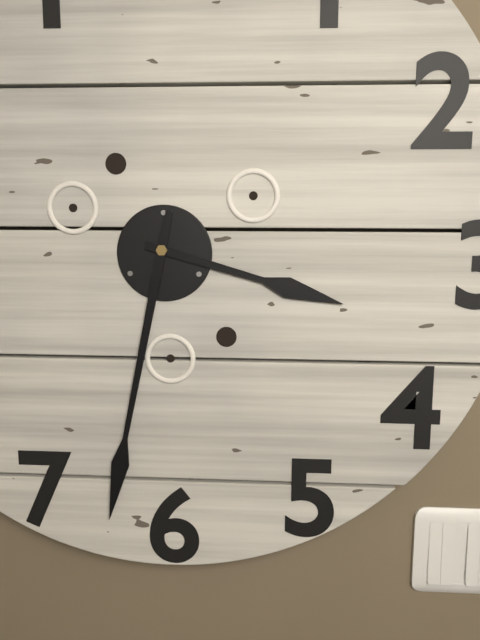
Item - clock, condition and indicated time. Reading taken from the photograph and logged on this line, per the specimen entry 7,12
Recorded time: 3,32
